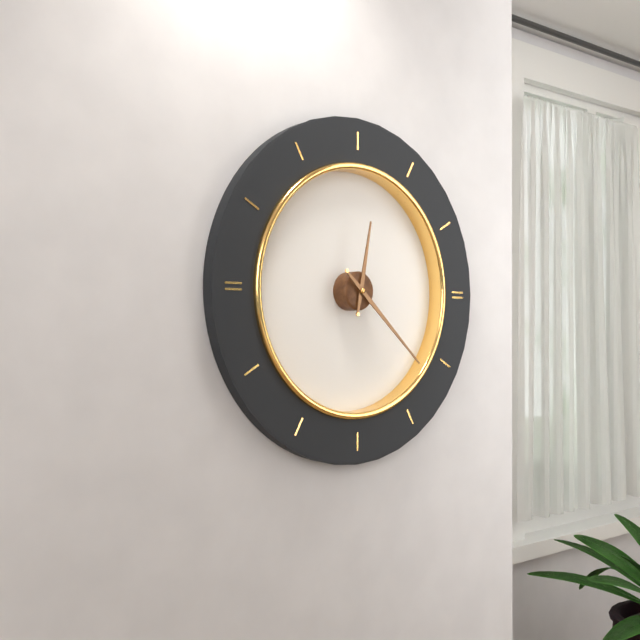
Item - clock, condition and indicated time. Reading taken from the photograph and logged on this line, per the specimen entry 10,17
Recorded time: 12,22
